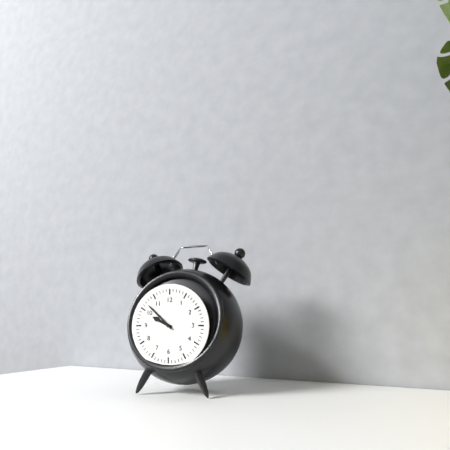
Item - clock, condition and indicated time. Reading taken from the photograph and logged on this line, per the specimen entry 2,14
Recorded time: 9,52
